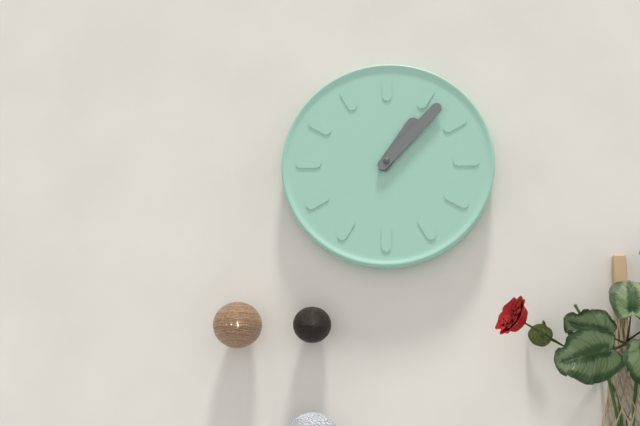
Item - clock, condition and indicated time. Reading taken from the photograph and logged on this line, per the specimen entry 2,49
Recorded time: 1,07
